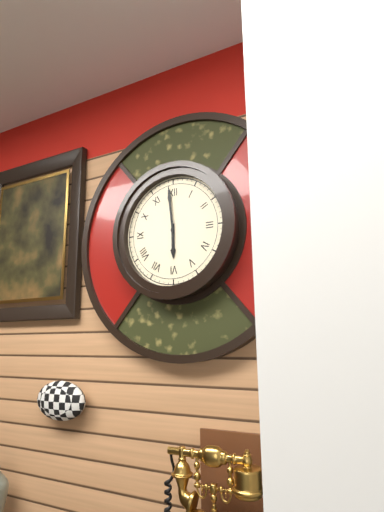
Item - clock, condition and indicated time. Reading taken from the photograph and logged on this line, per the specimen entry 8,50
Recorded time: 5,59
